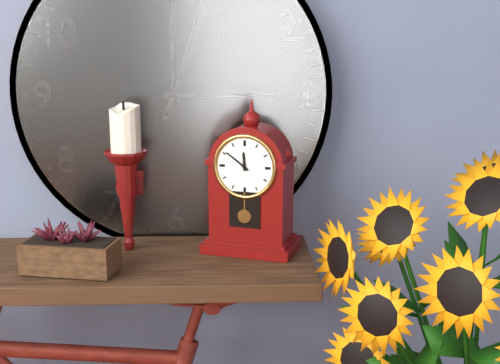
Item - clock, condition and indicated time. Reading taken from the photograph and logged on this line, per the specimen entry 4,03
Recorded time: 11,51
